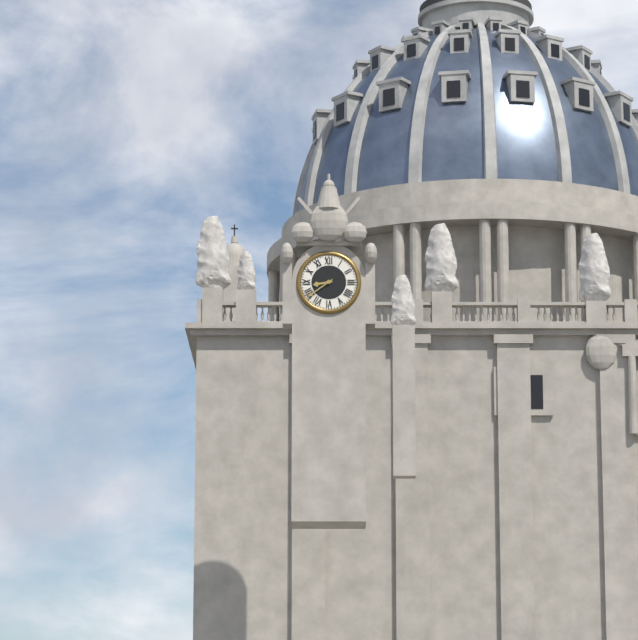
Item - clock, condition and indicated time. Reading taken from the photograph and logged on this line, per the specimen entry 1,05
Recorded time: 8,39
